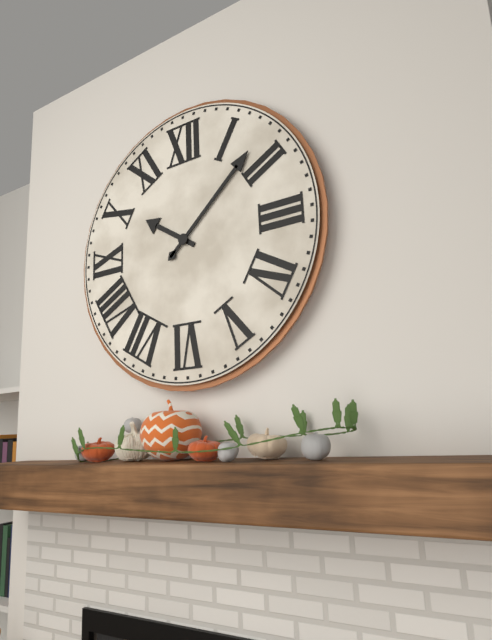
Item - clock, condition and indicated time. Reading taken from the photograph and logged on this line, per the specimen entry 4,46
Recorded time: 10,08
